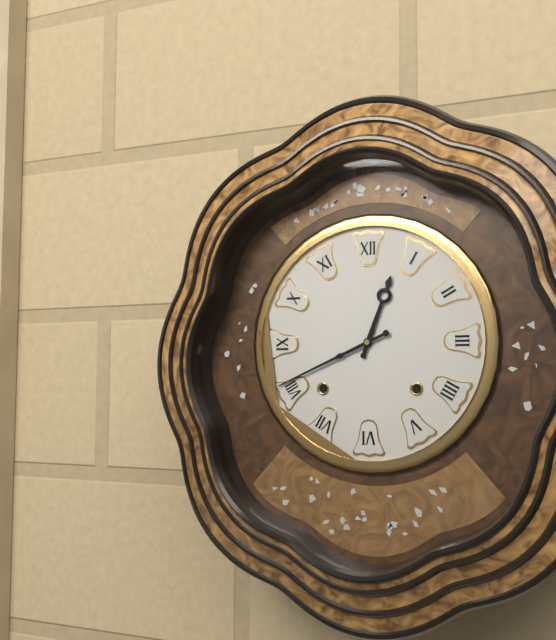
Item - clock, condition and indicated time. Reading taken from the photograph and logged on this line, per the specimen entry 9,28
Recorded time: 12,41
